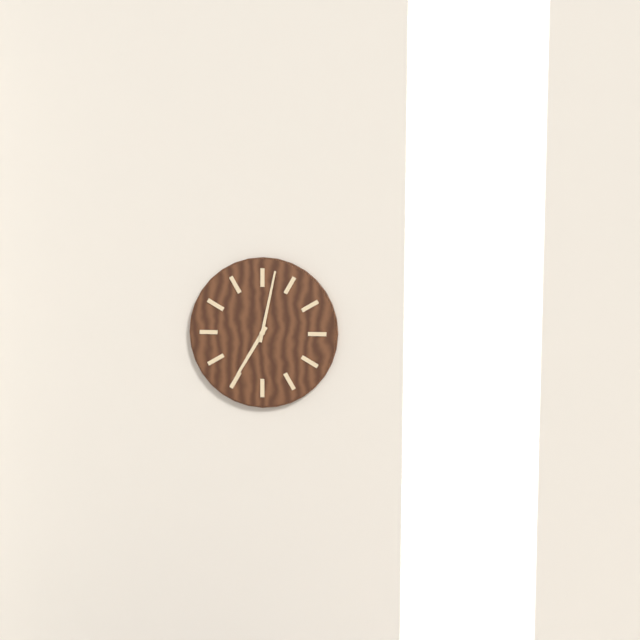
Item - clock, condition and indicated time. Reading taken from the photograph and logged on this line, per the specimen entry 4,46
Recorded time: 7,02
